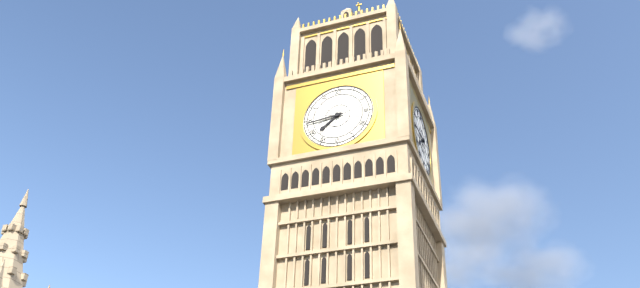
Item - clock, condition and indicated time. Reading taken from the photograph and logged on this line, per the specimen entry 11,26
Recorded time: 7,44
